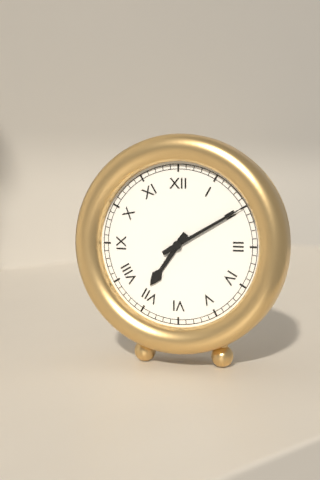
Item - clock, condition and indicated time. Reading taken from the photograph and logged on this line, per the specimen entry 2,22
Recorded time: 7,10
